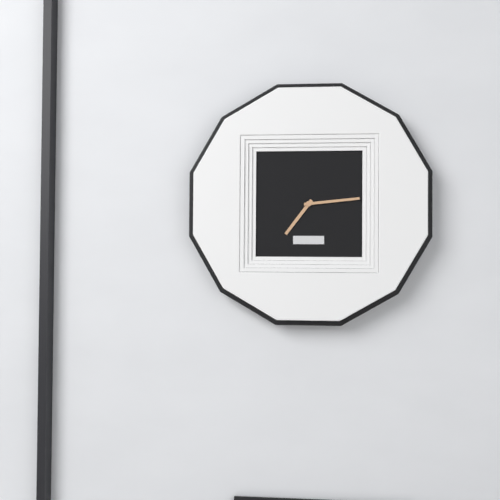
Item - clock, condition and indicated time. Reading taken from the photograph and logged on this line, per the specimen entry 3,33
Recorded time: 7,14
